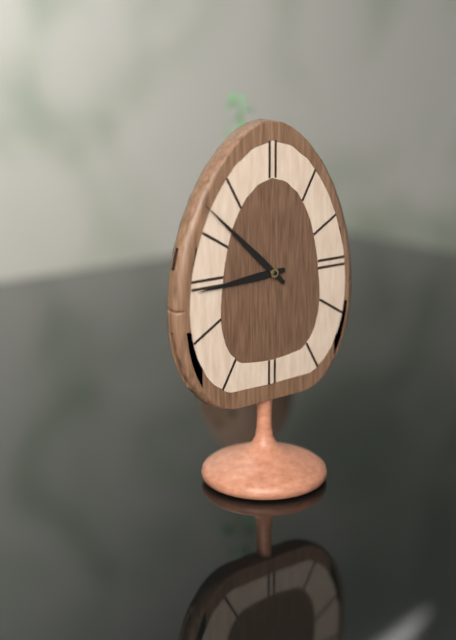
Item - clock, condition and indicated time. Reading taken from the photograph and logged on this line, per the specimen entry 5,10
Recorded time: 8,52
